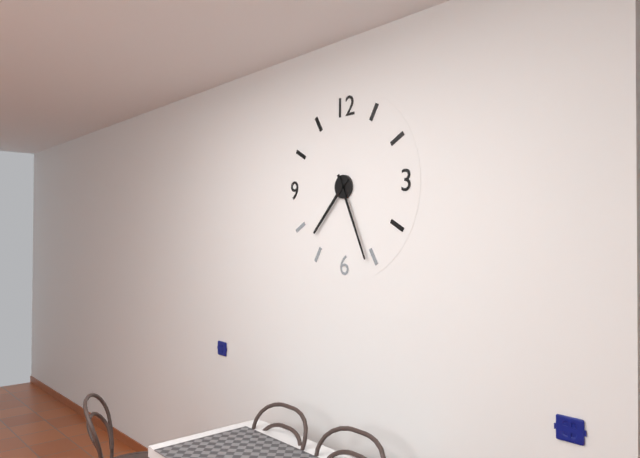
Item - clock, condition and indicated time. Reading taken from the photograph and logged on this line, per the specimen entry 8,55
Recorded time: 7,26
